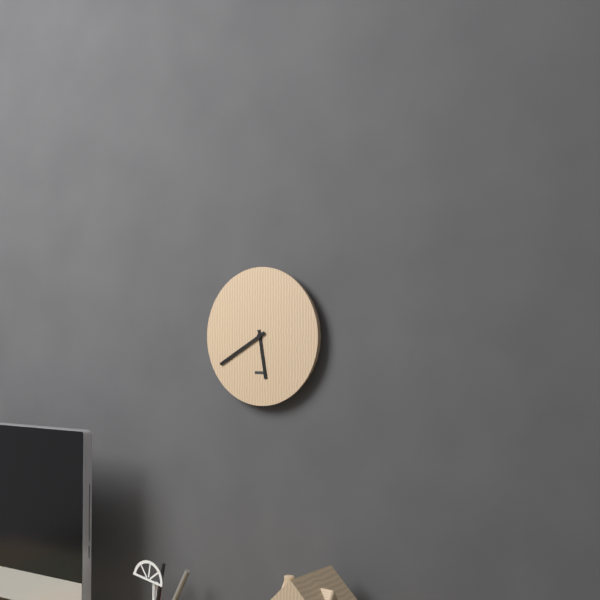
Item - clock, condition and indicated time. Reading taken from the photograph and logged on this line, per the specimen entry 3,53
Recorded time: 5,40
